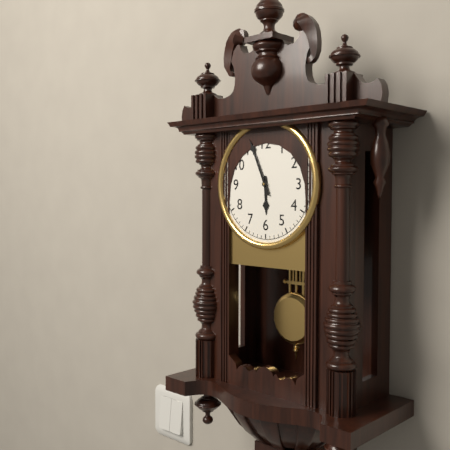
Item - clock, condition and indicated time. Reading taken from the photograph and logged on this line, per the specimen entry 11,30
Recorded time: 5,56
